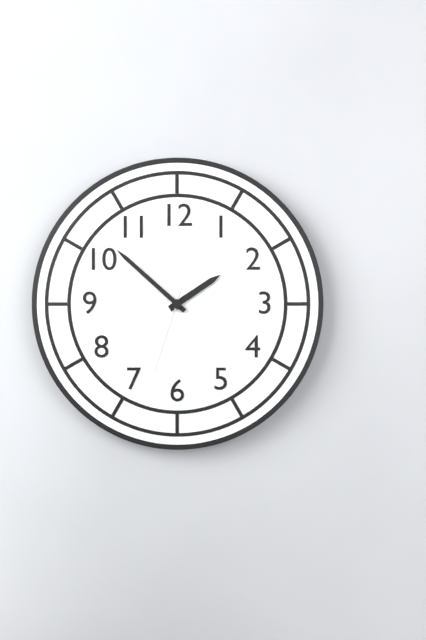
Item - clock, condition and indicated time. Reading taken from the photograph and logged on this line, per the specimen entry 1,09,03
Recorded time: 1,52,33
